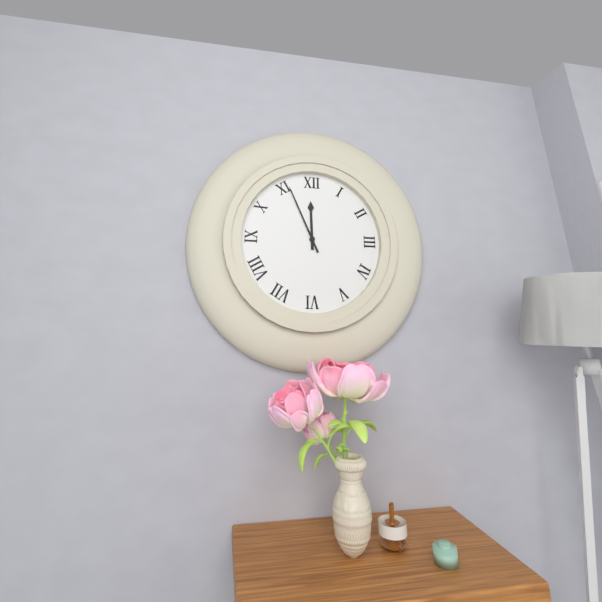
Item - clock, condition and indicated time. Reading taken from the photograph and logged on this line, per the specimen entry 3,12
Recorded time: 11,56
